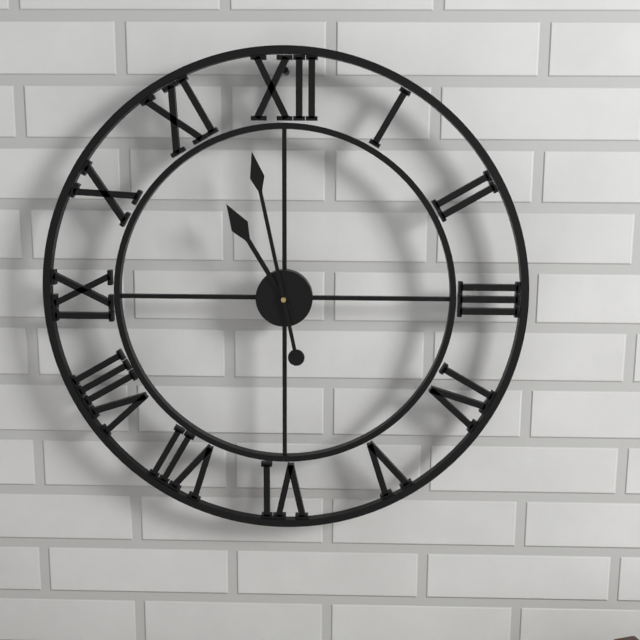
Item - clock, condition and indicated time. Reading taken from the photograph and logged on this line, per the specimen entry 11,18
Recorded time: 10,58
